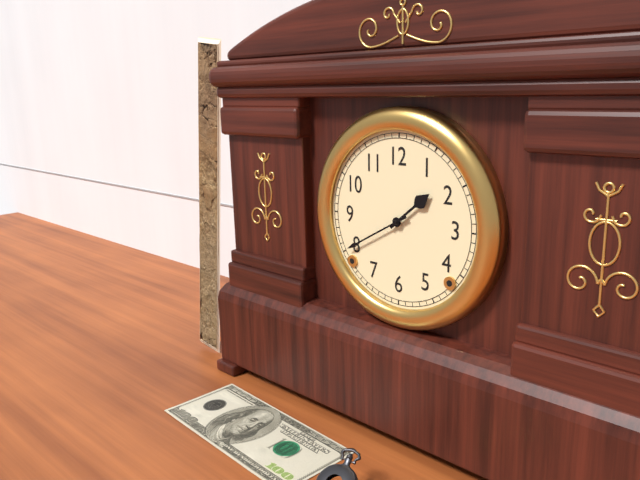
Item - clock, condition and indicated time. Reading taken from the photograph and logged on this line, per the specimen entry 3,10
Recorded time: 1,40
